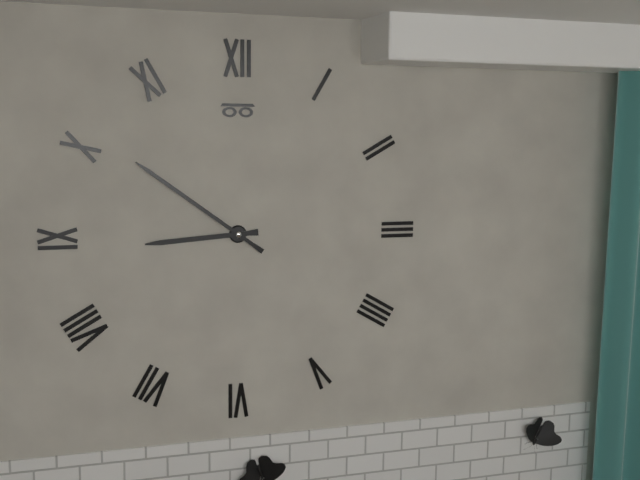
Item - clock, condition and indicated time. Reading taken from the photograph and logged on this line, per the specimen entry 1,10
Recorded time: 8,51
